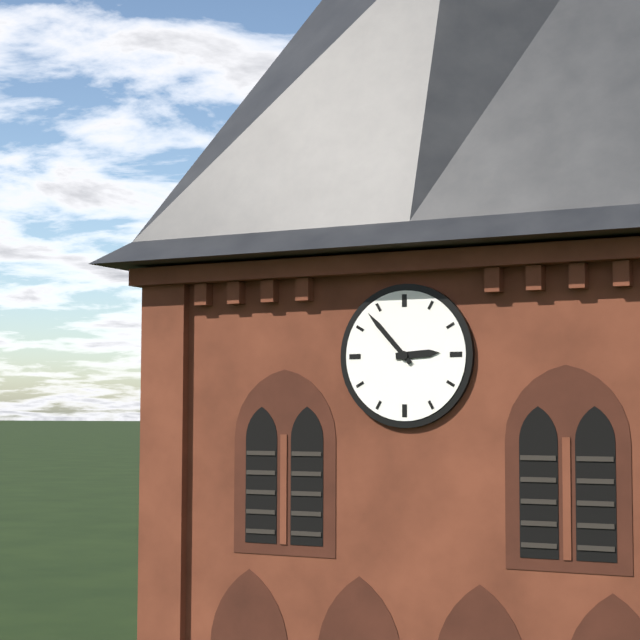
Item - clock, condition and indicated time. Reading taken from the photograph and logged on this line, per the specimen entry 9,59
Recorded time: 2,53
